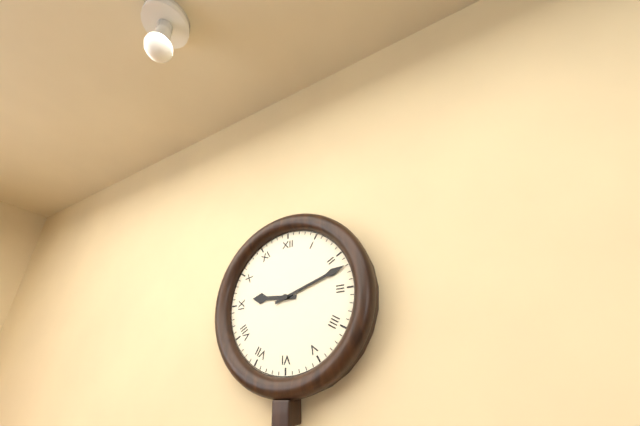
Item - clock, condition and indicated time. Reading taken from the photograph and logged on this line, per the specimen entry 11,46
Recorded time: 9,12
